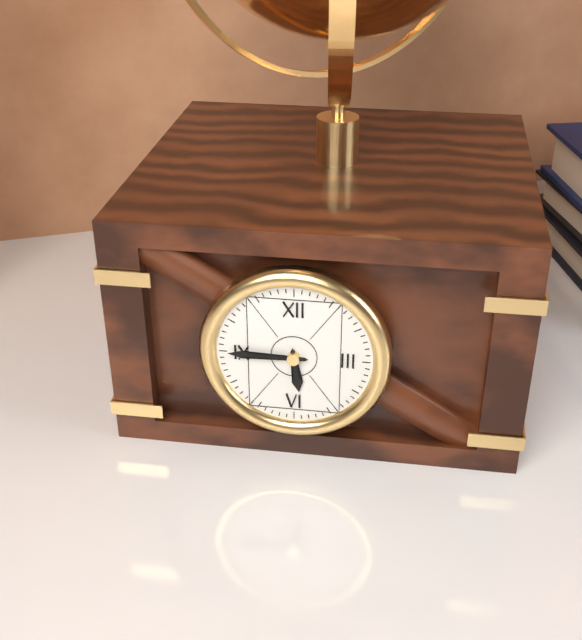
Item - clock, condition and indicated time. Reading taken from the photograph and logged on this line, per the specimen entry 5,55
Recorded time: 5,45
